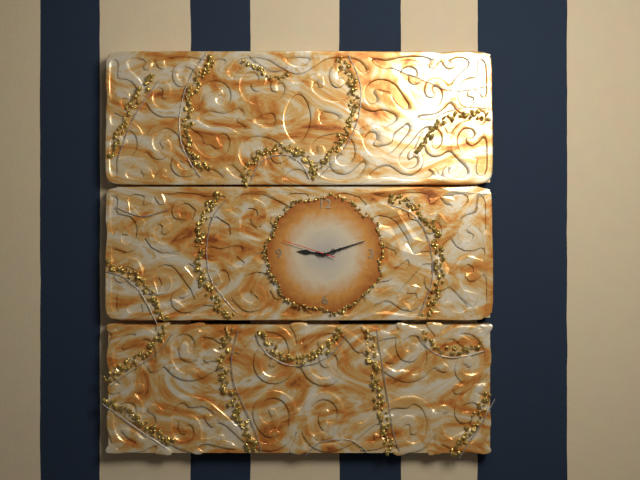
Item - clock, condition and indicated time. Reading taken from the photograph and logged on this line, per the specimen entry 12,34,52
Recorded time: 9,12,48
